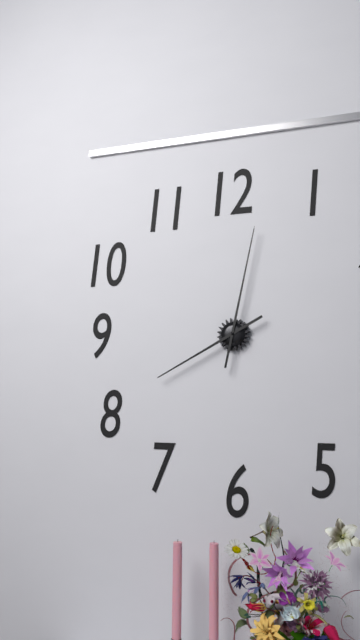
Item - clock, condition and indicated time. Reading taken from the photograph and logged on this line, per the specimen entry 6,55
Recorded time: 8,02
